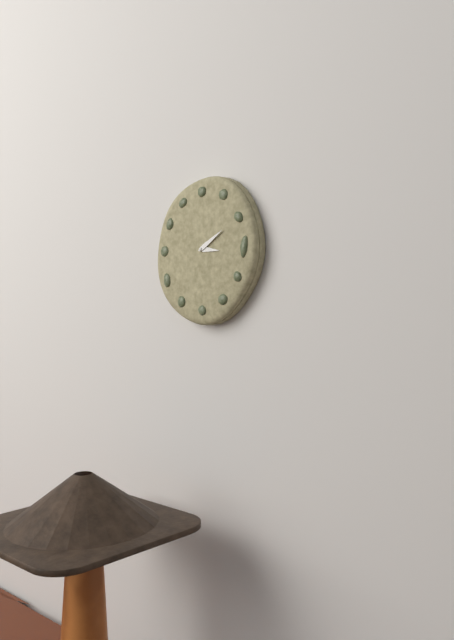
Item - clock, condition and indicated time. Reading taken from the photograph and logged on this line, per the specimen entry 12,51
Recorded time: 3,10
